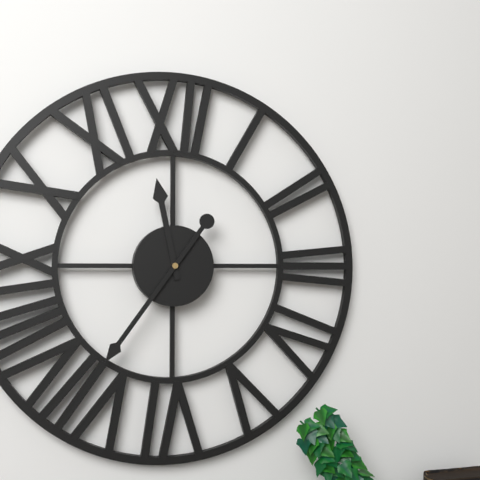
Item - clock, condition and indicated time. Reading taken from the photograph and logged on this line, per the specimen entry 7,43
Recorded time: 11,36
